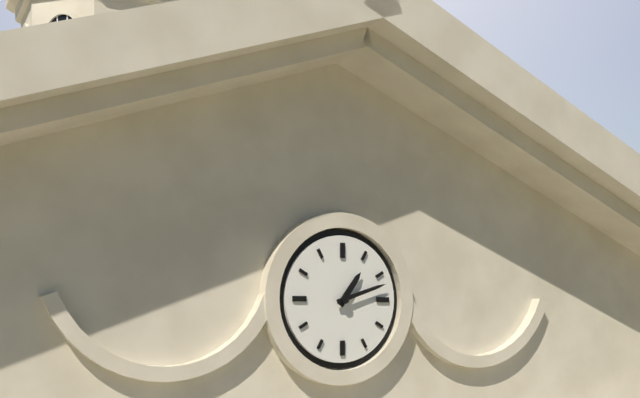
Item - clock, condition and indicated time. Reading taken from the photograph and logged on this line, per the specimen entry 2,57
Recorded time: 1,12
